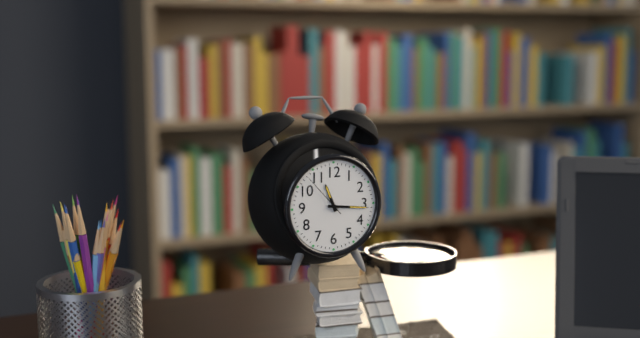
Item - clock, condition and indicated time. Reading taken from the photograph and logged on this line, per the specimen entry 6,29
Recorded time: 11,16
